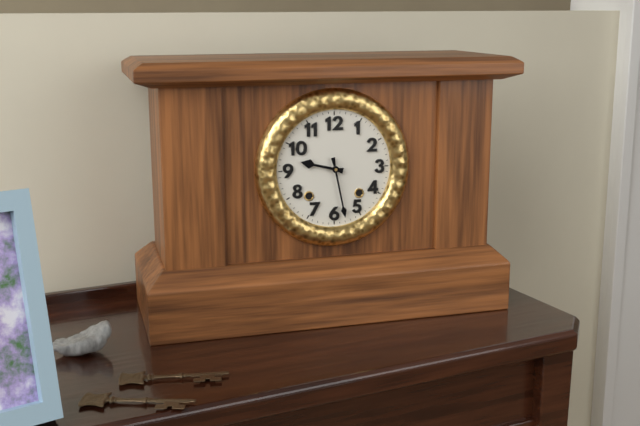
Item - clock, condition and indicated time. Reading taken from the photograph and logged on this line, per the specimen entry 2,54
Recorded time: 9,28
